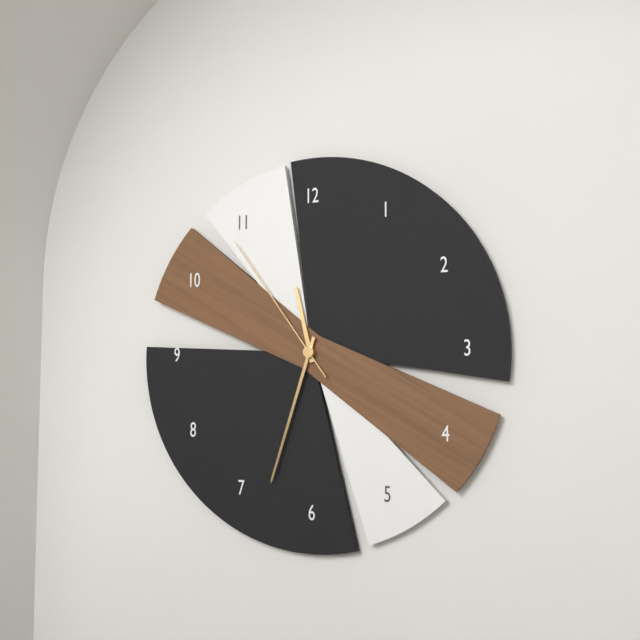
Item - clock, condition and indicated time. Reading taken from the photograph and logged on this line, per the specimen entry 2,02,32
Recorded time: 11,33,54
